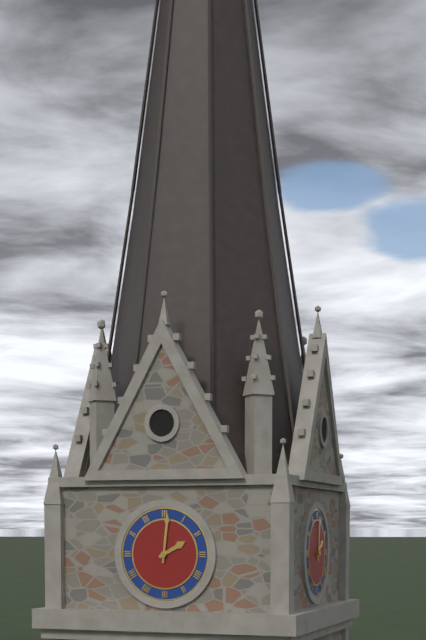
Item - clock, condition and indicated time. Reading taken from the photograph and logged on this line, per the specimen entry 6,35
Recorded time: 2,01
